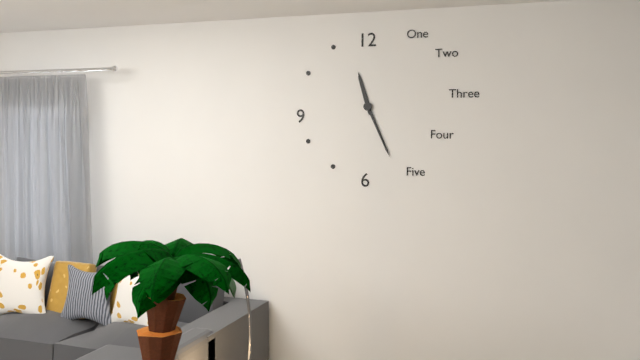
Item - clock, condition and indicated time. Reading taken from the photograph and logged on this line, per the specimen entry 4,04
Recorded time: 11,26
